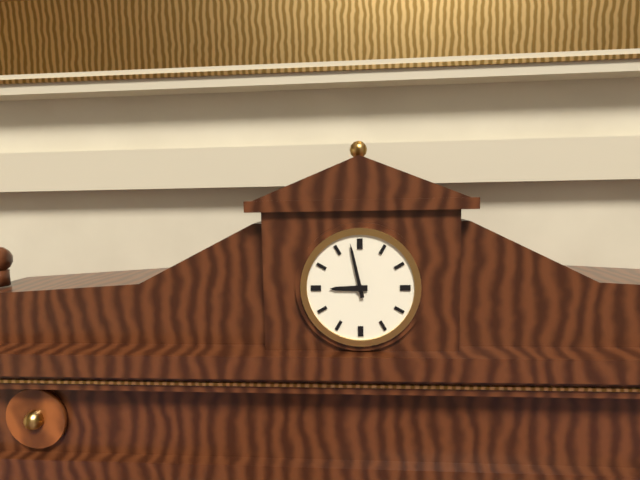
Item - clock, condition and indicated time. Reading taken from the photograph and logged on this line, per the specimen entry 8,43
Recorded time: 8,58
